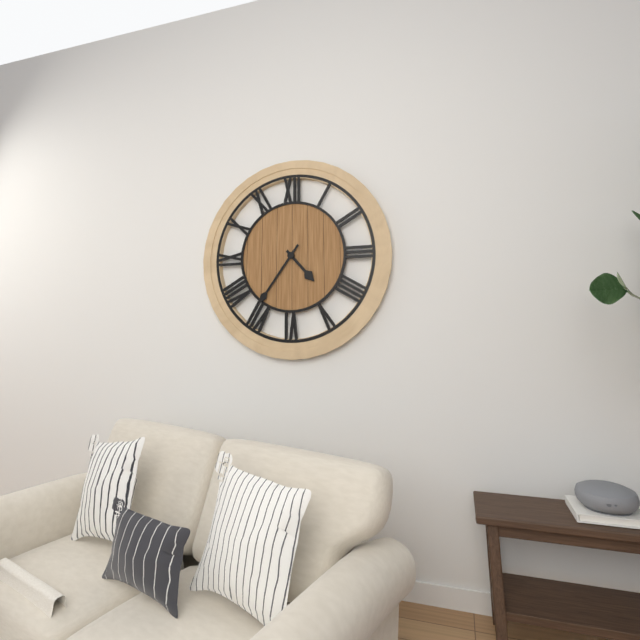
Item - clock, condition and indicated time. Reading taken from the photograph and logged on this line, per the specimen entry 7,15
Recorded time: 4,36
